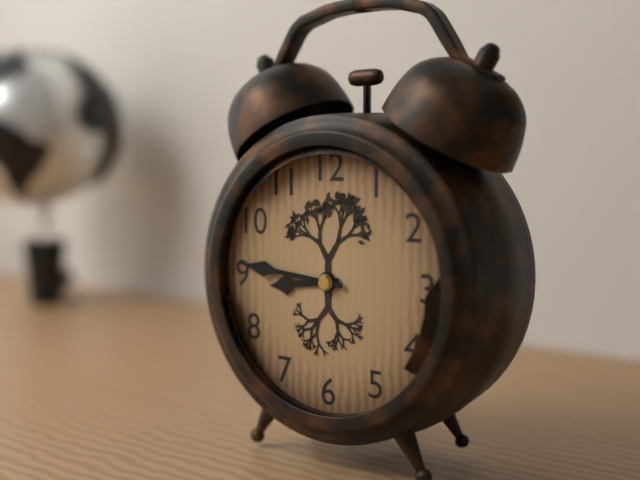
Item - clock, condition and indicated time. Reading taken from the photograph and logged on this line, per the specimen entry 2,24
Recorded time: 8,46
